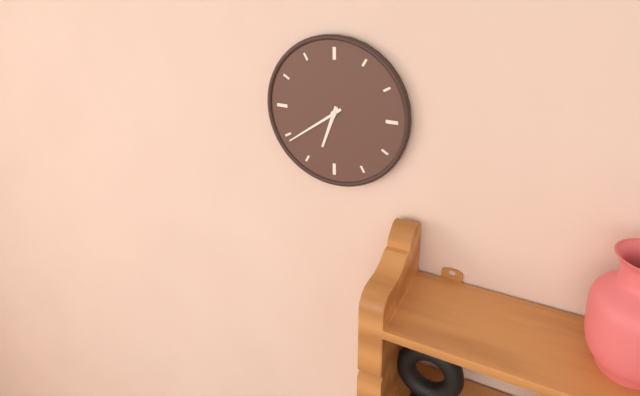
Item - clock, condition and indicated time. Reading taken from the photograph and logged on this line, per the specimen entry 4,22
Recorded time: 6,39
